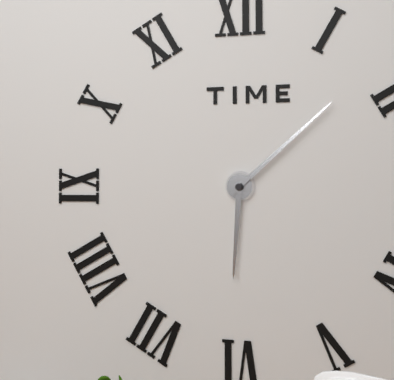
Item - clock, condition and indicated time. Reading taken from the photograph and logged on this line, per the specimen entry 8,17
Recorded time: 6,08
